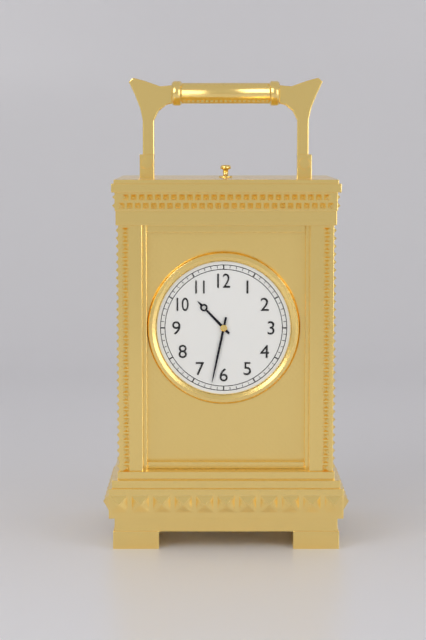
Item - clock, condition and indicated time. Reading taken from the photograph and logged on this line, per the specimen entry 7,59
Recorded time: 10,32
